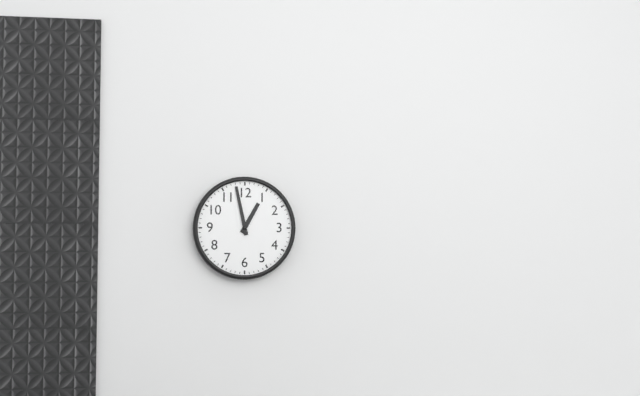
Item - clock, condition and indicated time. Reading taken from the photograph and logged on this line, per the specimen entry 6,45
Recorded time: 12,58
